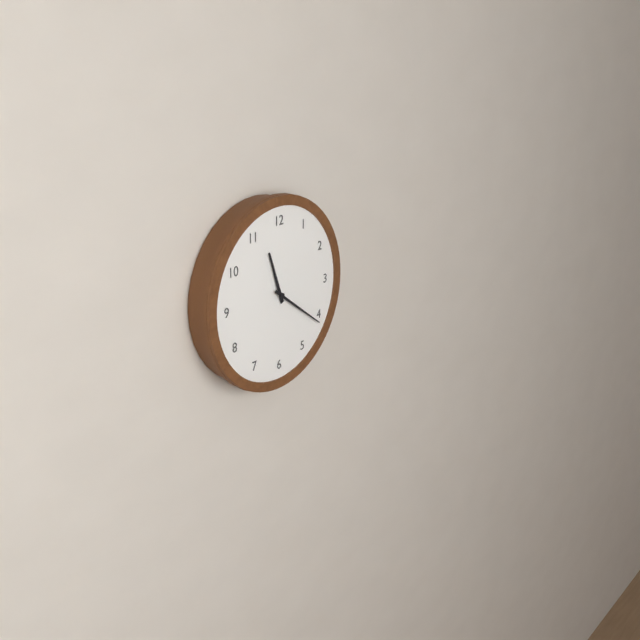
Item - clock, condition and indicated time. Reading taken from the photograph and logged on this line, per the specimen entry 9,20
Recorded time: 11,21
